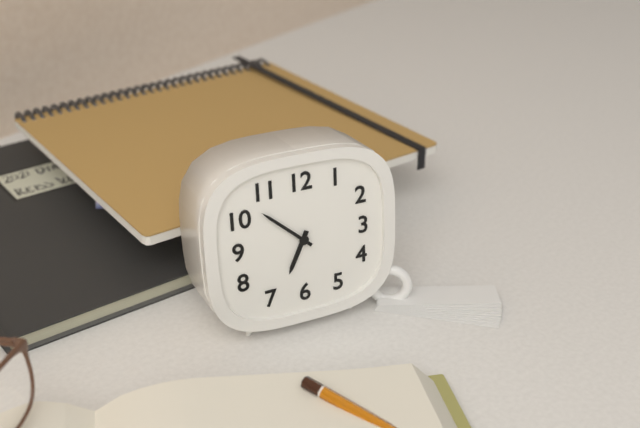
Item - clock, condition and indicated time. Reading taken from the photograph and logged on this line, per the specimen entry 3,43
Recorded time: 6,52
